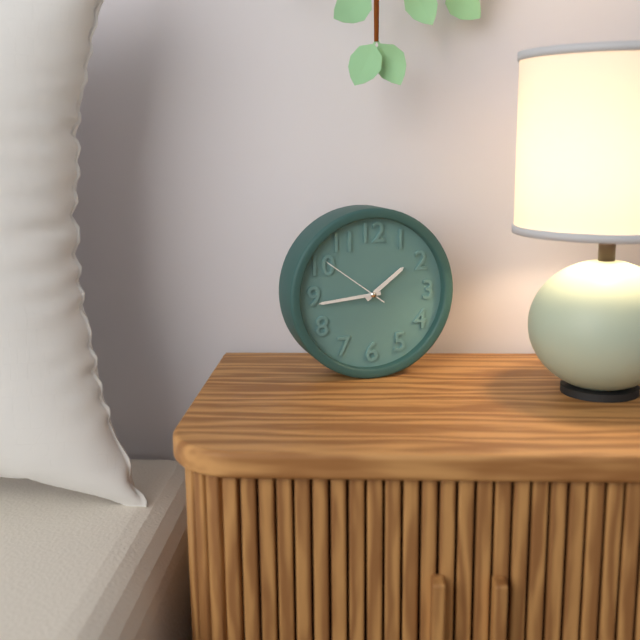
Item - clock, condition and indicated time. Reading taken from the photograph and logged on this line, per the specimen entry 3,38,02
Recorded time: 1,44,51
